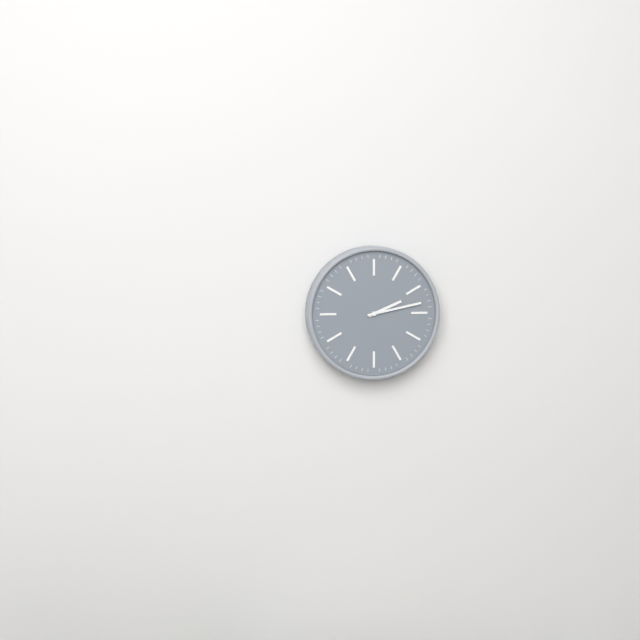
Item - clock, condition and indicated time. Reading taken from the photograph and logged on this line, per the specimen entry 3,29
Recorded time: 2,13
